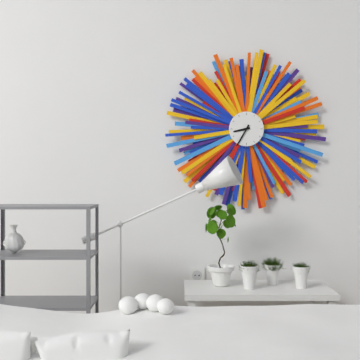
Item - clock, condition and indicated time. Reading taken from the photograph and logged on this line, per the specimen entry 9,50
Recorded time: 8,35
